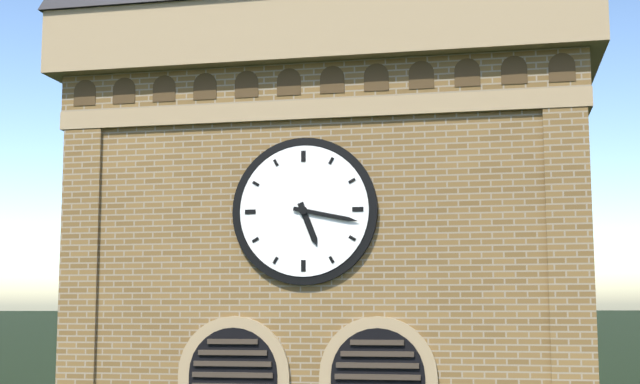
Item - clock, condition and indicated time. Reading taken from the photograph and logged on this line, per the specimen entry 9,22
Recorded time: 5,17
